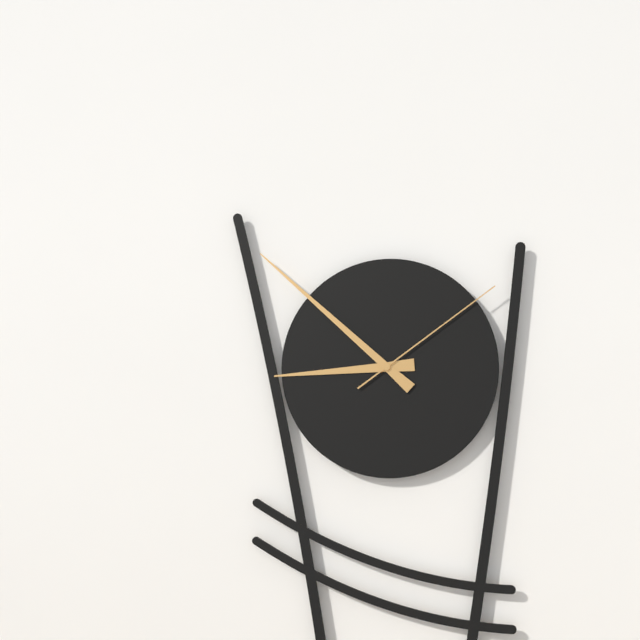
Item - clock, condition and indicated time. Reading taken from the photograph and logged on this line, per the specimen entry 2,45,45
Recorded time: 8,52,09
